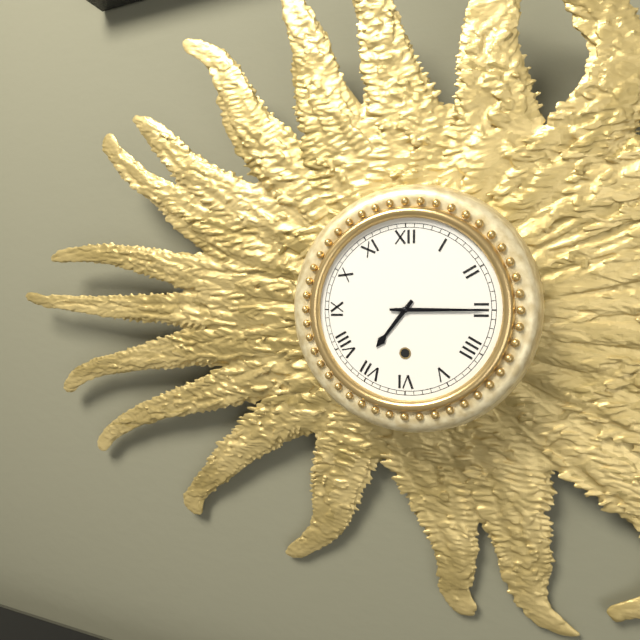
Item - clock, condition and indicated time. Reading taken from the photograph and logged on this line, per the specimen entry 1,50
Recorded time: 7,15
